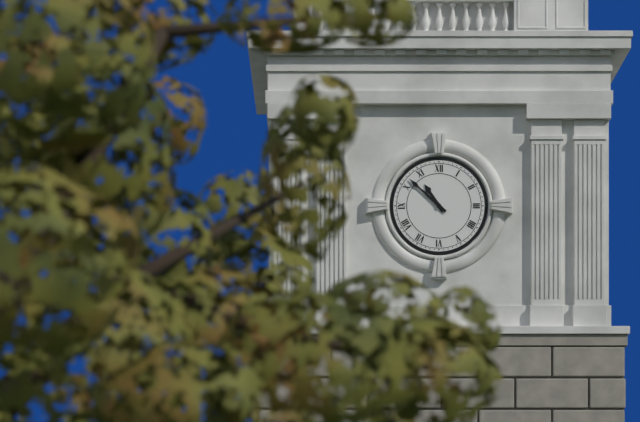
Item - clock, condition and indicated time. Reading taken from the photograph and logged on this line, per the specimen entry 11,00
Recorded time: 10,52
